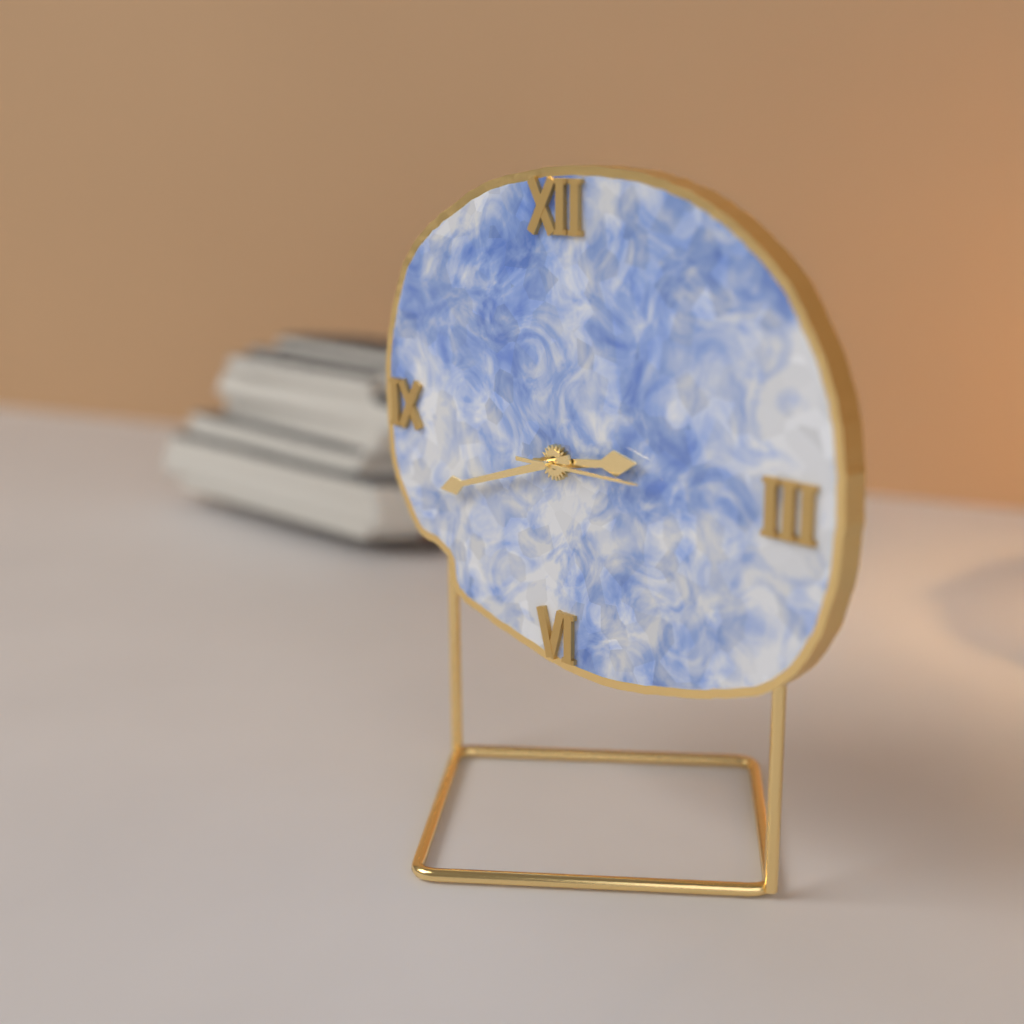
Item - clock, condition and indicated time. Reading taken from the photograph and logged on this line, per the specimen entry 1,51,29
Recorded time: 2,42,15
